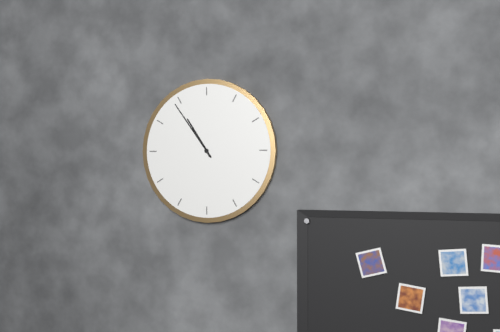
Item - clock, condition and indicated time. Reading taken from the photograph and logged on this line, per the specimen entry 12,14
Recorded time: 10,54
